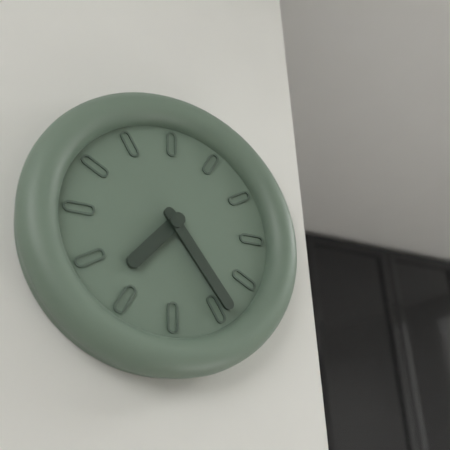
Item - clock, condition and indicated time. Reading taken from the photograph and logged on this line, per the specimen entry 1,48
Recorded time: 7,24
